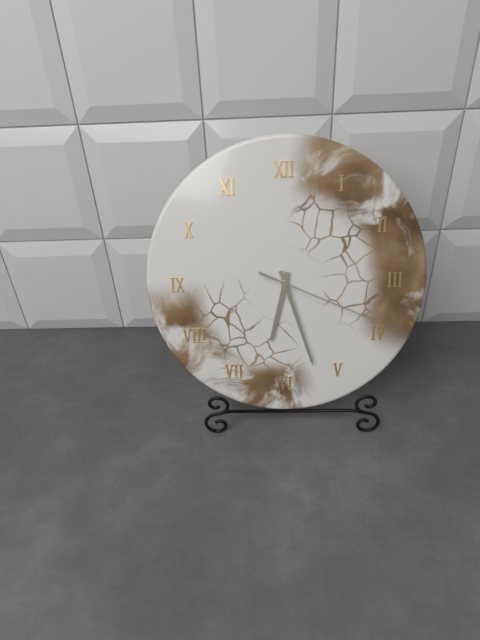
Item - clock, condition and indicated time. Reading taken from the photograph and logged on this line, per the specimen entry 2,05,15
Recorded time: 6,27,19
